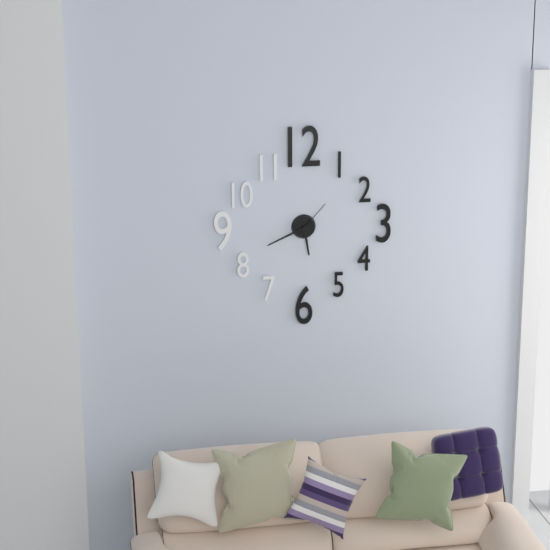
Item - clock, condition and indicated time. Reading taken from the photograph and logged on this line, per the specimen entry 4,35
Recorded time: 5,41
